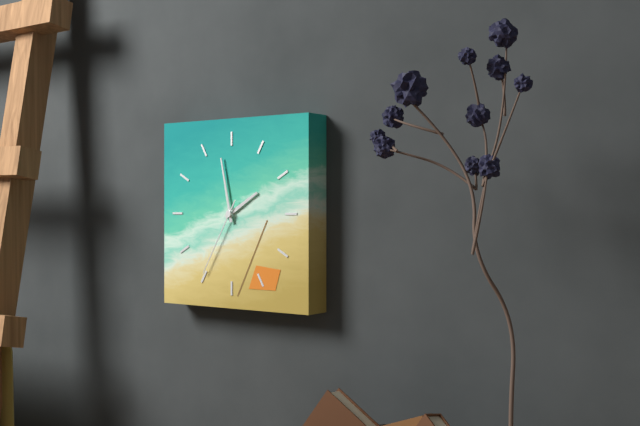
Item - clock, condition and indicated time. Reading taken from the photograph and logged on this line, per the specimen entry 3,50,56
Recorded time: 1,58,35
